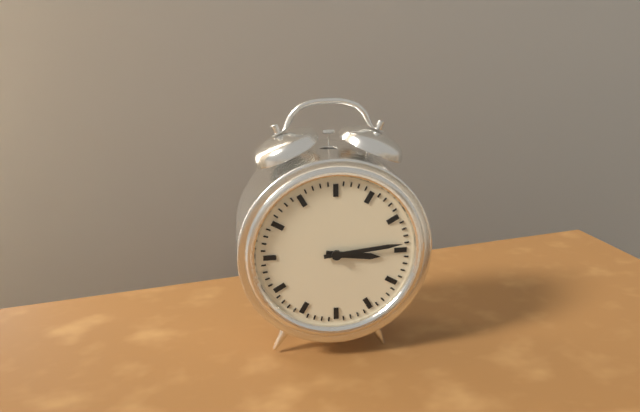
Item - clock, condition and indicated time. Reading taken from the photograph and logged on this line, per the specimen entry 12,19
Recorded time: 3,14
